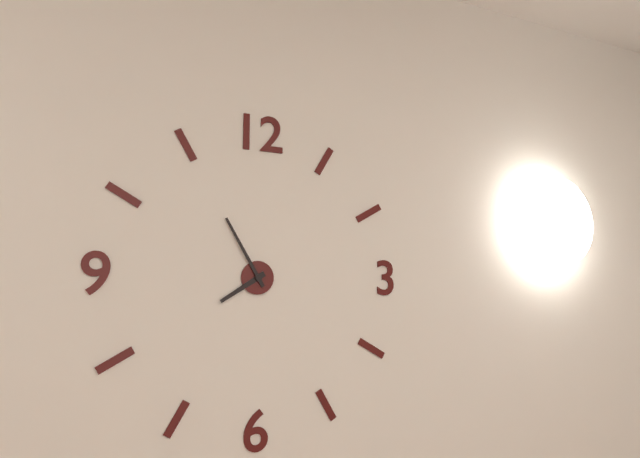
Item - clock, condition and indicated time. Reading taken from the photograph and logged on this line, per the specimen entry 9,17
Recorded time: 7,55
